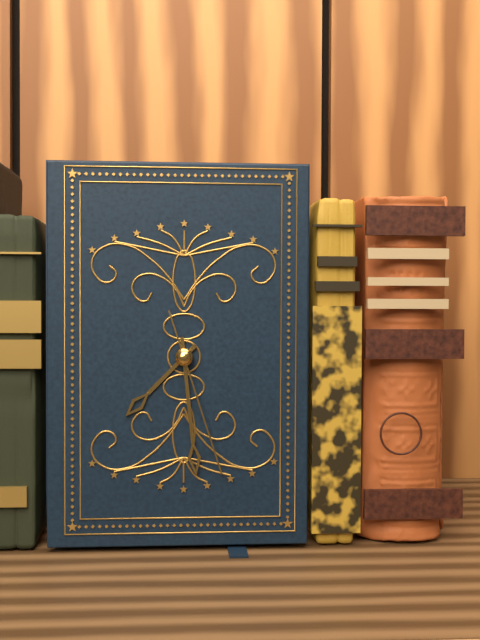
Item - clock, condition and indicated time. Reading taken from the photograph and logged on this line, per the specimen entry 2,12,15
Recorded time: 7,29,27
